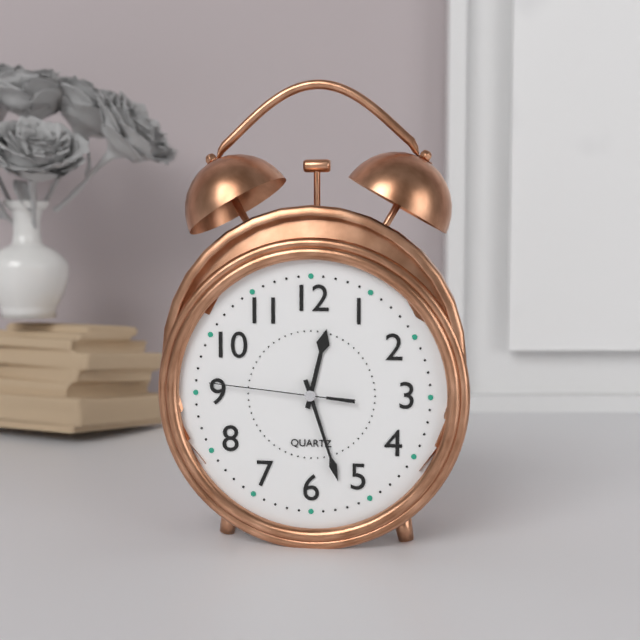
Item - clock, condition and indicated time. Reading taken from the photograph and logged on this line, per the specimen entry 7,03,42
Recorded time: 12,27,46
